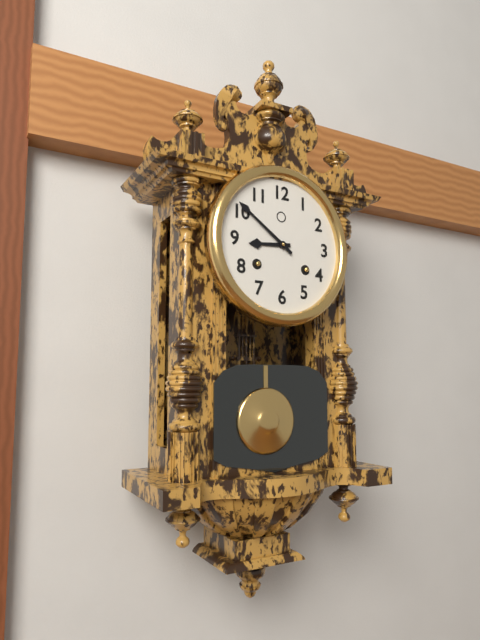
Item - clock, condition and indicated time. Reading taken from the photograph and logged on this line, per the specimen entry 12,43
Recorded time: 8,51
